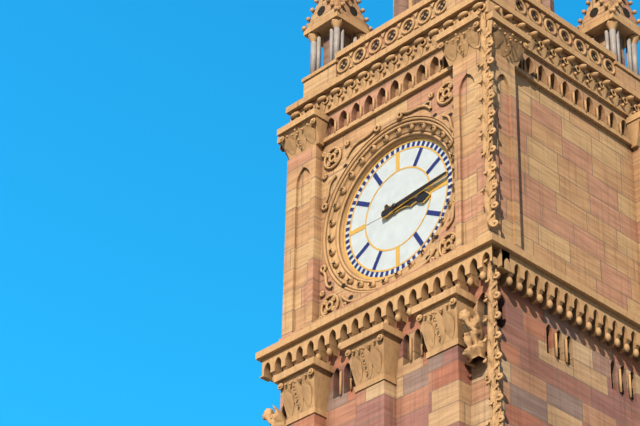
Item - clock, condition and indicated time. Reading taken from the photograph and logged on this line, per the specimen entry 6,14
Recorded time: 3,14
